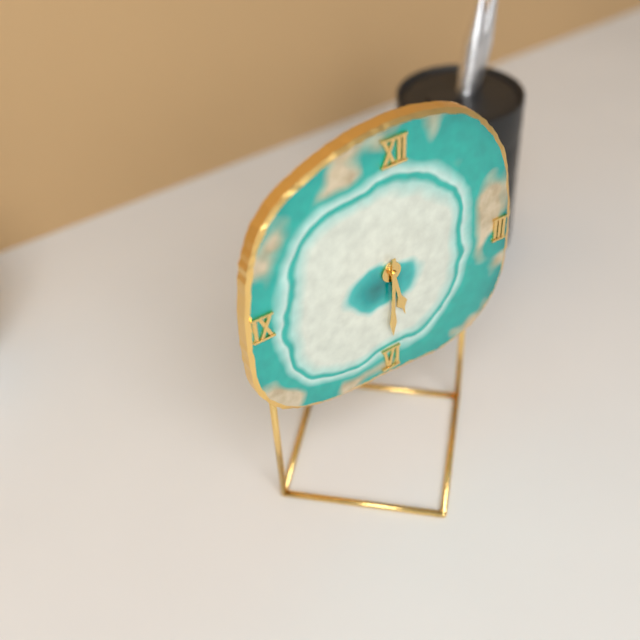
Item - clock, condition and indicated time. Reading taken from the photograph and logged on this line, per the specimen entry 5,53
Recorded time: 5,30
